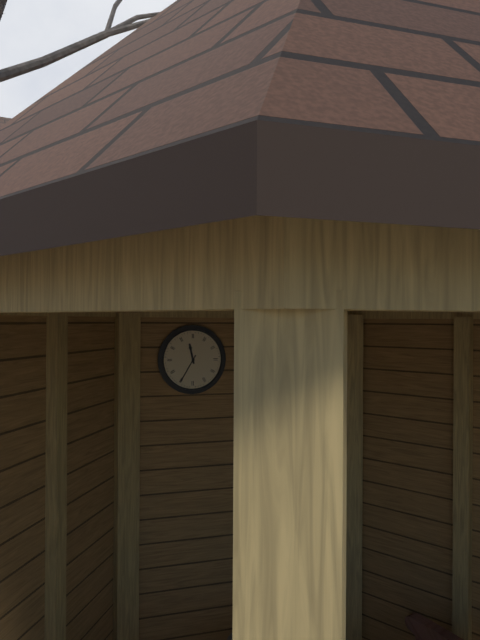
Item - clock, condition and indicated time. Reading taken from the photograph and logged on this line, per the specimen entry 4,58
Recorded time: 11,35
